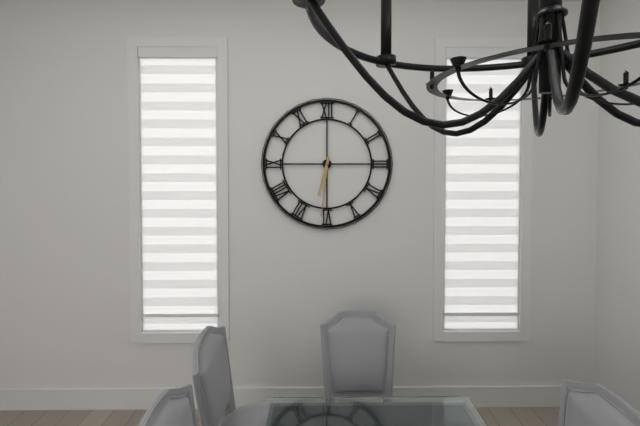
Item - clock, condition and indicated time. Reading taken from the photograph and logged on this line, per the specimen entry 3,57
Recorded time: 6,31
